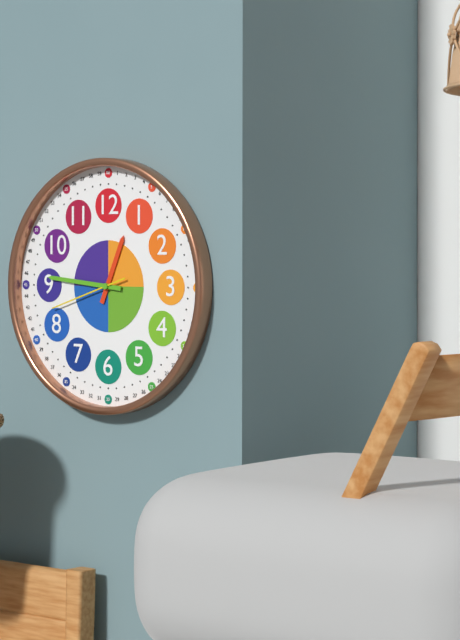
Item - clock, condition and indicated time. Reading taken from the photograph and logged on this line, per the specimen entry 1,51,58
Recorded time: 12,46,42
